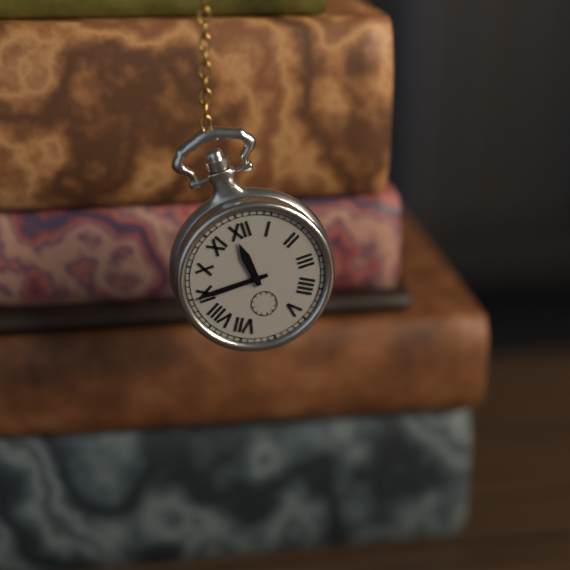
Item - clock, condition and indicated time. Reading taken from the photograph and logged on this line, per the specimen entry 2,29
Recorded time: 11,45
